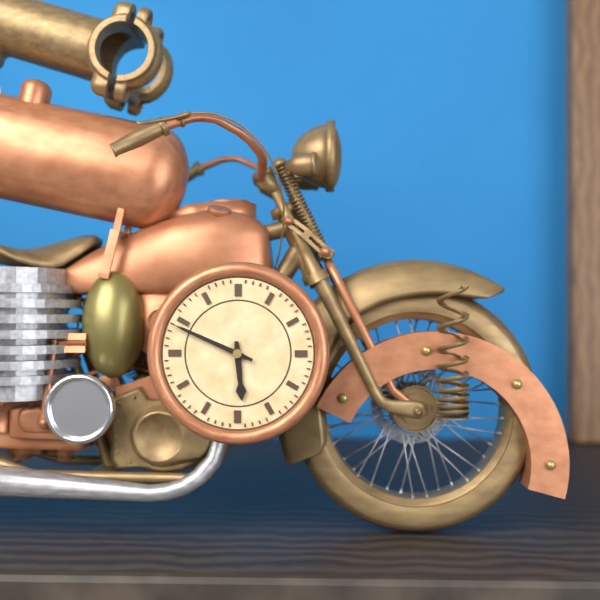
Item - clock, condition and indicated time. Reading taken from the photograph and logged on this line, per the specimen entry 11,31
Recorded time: 5,49
